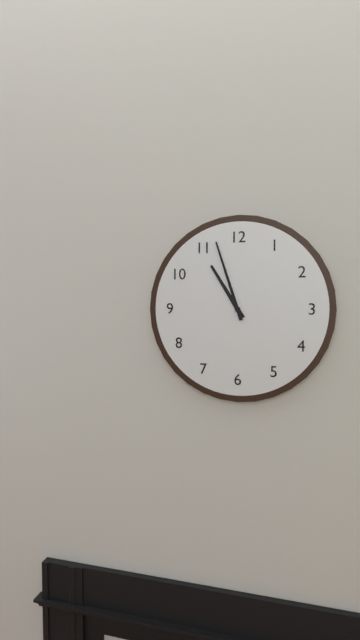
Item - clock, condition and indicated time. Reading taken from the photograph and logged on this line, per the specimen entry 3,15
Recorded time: 10,57
